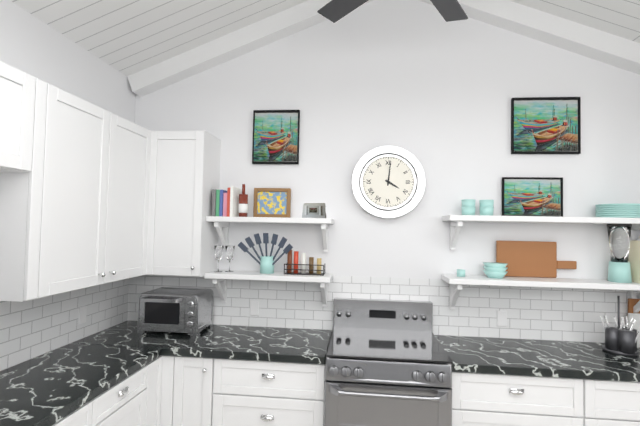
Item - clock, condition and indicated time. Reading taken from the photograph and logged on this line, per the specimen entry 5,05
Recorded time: 4,01
